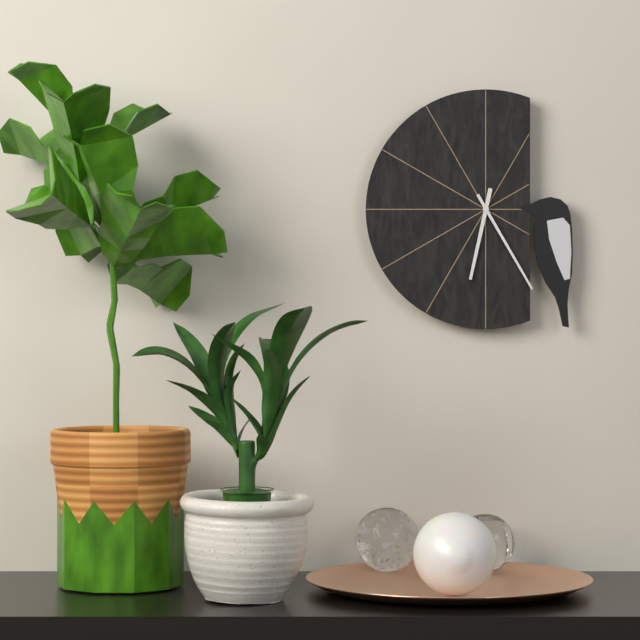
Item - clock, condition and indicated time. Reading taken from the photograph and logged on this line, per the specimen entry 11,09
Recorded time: 6,25
